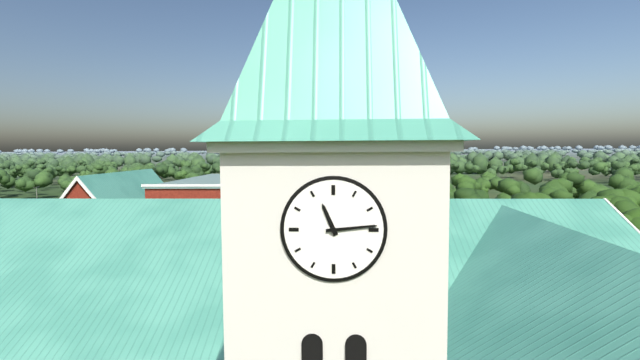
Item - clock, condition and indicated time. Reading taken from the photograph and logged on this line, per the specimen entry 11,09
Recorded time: 11,14
